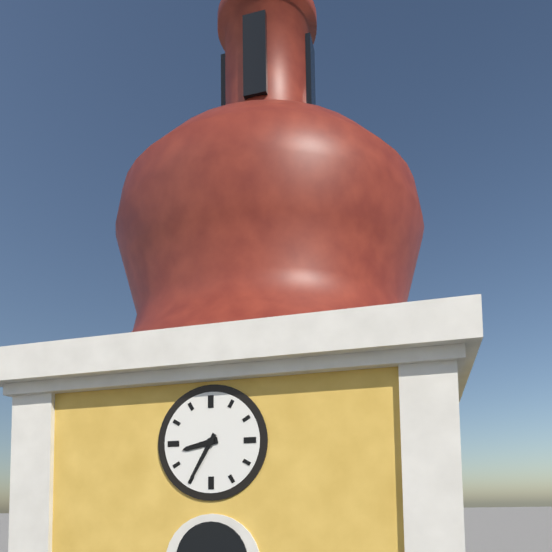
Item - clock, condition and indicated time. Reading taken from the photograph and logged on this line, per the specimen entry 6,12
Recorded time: 8,35
